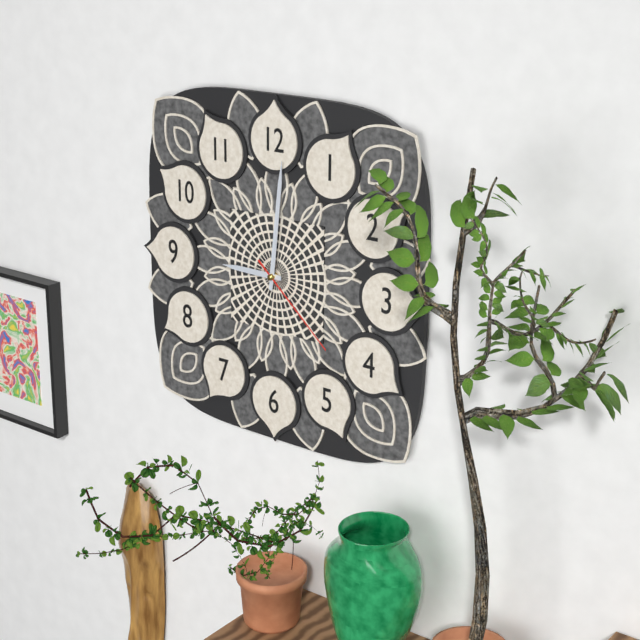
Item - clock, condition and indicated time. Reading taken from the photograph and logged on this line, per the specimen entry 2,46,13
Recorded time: 9,01,22
